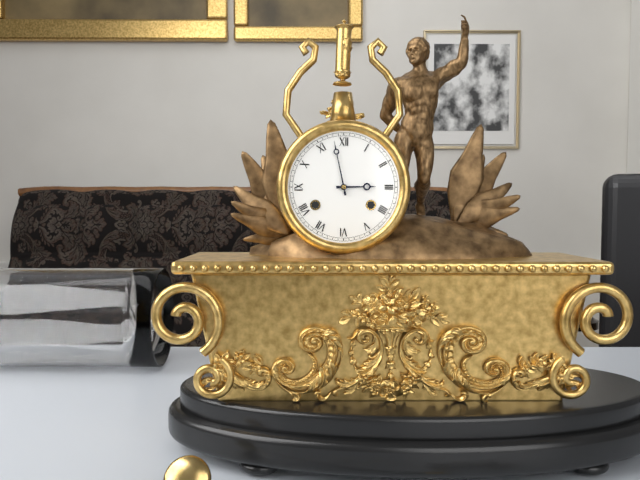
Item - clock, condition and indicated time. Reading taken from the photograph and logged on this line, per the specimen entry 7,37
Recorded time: 2,58
